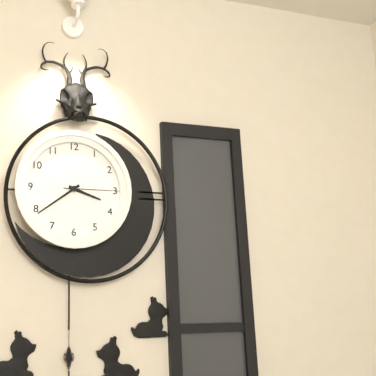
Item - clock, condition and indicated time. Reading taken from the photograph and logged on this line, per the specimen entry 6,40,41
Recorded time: 3,39,15
